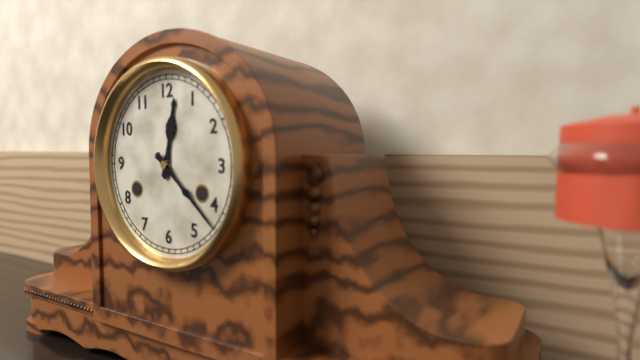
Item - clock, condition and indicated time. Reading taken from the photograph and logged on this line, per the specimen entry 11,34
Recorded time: 12,22
